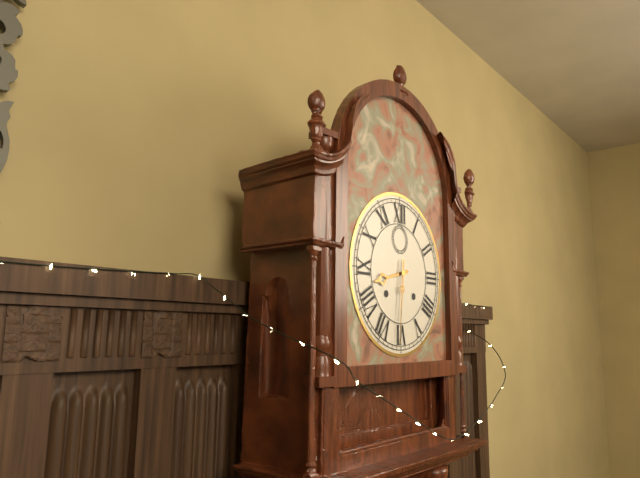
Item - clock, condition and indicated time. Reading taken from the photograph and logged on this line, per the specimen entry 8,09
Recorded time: 8,31
